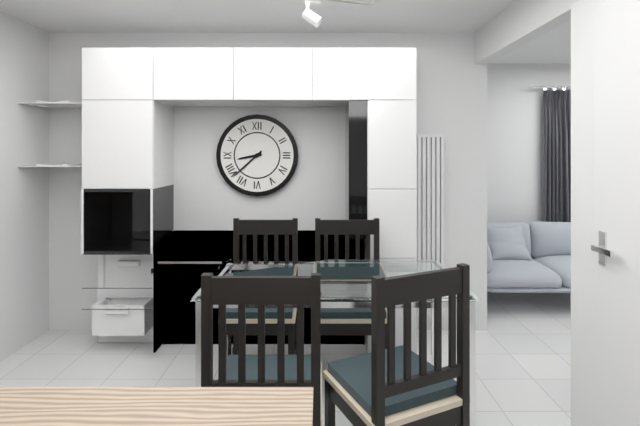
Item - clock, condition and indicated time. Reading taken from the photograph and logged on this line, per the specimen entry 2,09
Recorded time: 8,38
